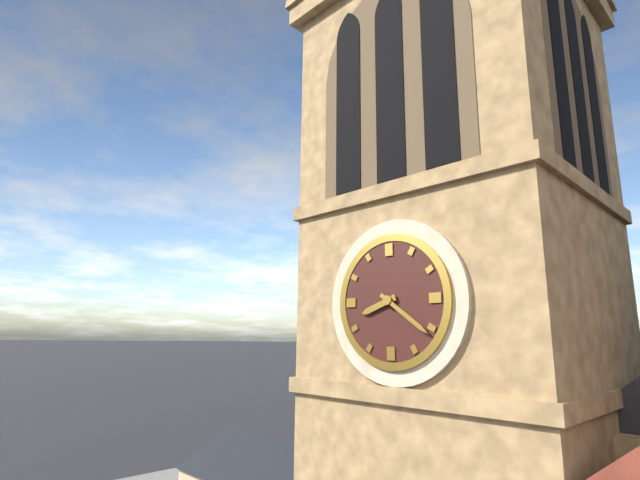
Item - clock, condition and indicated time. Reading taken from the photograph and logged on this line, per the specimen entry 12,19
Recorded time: 8,21
